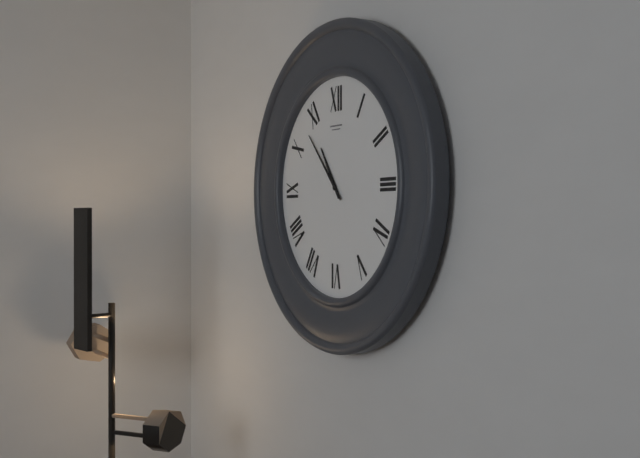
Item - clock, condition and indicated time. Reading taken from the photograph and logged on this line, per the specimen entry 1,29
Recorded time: 10,53
